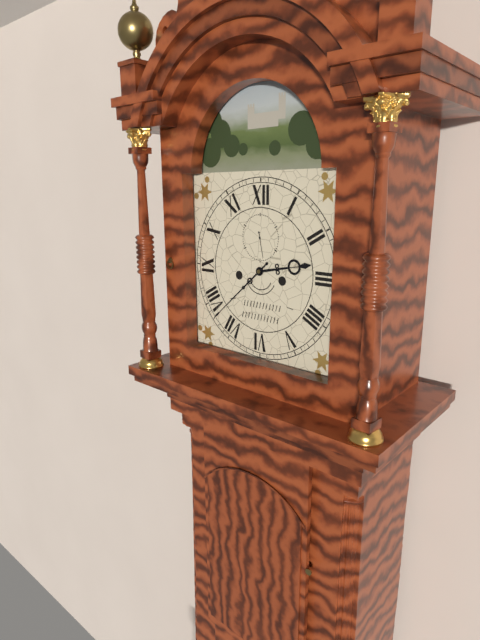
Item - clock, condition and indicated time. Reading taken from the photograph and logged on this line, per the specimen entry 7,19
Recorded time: 2,38
